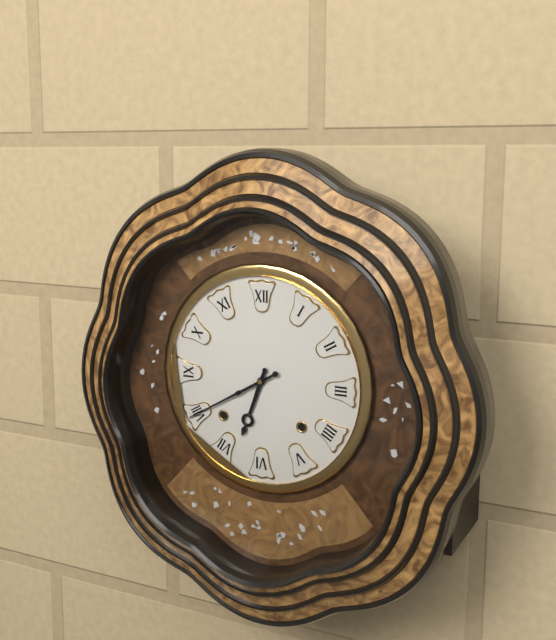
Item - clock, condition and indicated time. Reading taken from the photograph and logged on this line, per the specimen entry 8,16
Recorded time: 6,40
